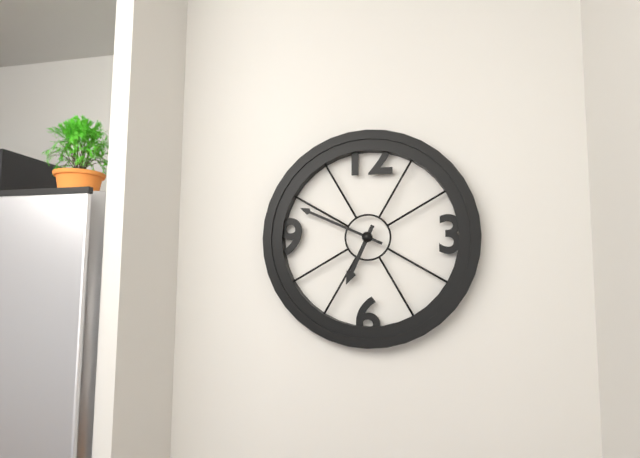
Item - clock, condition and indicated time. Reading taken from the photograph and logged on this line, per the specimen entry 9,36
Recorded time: 6,49
